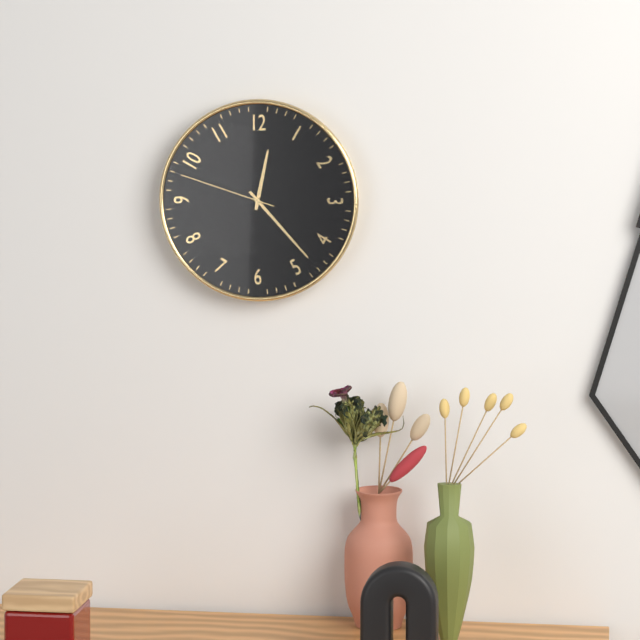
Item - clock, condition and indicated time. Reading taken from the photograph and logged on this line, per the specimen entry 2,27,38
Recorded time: 12,23,48
